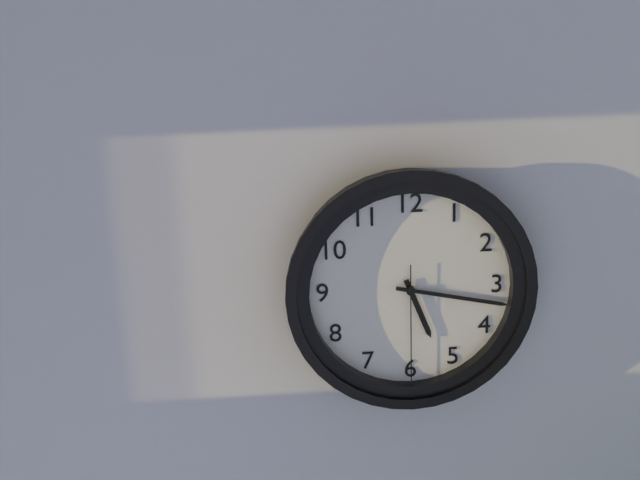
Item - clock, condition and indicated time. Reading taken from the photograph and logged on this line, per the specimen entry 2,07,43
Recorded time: 5,17,30
